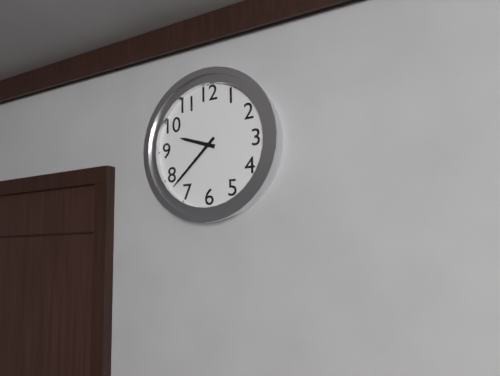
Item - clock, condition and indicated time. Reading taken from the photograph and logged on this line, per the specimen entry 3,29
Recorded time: 9,38
